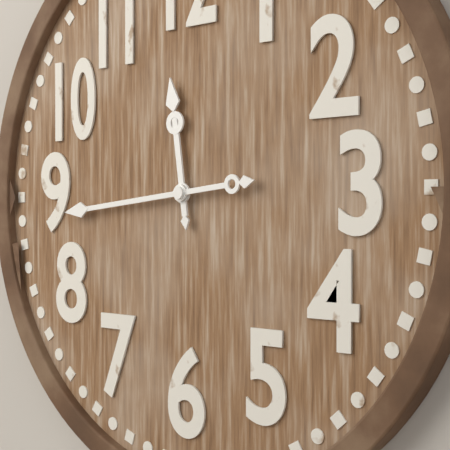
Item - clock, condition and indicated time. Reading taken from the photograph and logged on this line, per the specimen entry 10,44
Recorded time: 11,44
